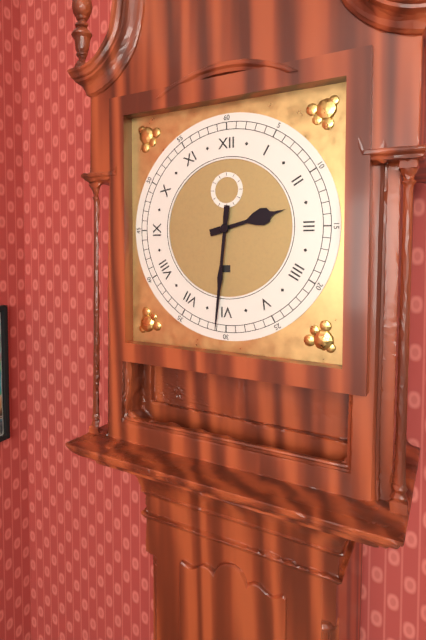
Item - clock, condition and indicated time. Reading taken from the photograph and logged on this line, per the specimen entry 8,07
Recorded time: 2,31
